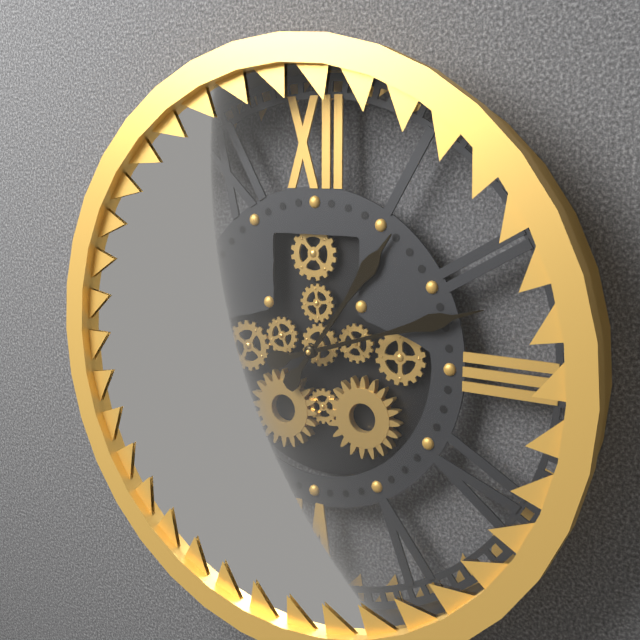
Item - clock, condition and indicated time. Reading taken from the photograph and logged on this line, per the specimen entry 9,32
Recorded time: 1,12
